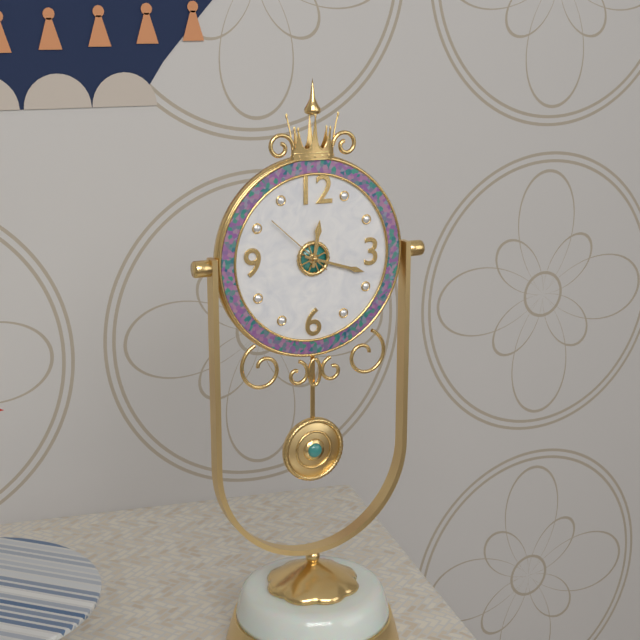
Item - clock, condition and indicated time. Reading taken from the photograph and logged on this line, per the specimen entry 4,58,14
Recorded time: 12,18,52
